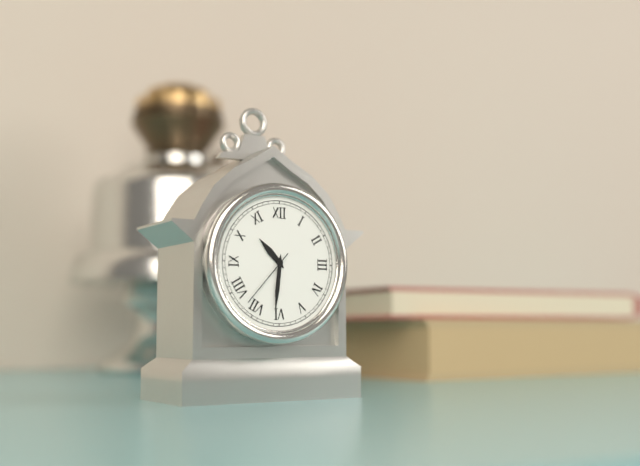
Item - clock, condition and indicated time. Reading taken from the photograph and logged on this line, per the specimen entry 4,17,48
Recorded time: 10,31,37
